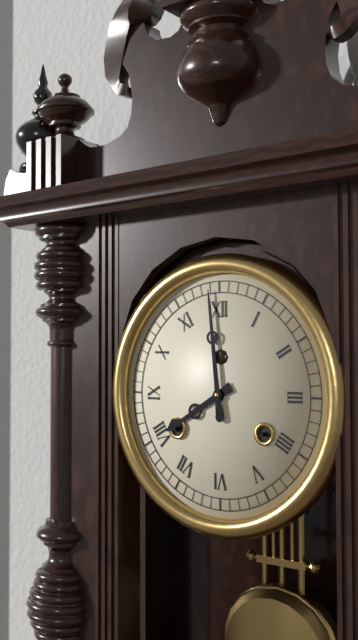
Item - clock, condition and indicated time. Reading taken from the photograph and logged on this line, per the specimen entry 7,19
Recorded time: 7,59
